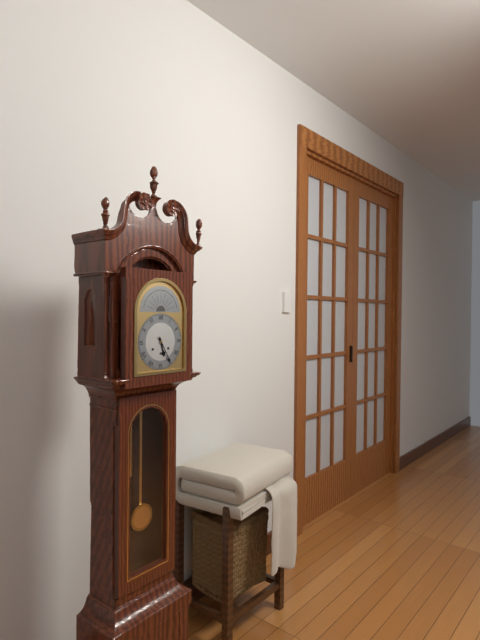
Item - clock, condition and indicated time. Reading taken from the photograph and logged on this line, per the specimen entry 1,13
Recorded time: 5,25
